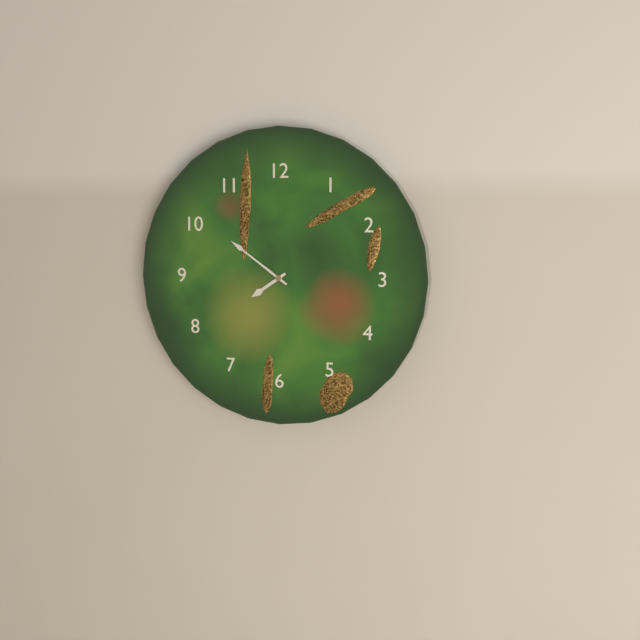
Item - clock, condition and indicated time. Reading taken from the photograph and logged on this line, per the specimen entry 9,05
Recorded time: 7,51
